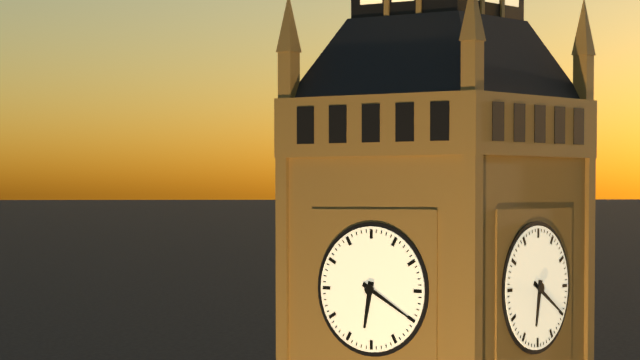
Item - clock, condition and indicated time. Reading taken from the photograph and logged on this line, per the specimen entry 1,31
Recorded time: 6,20
